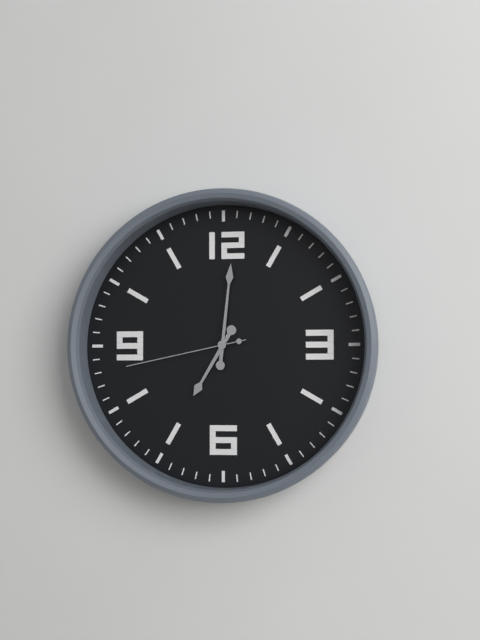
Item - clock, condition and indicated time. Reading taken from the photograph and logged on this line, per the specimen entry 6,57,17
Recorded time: 7,01,43
